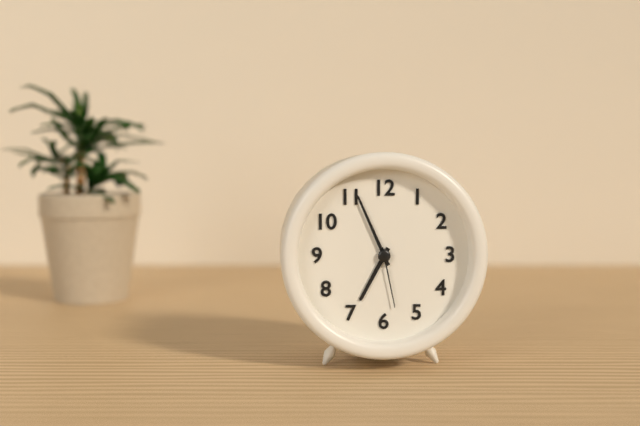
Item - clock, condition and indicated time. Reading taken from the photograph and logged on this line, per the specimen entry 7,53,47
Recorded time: 6,56,28
